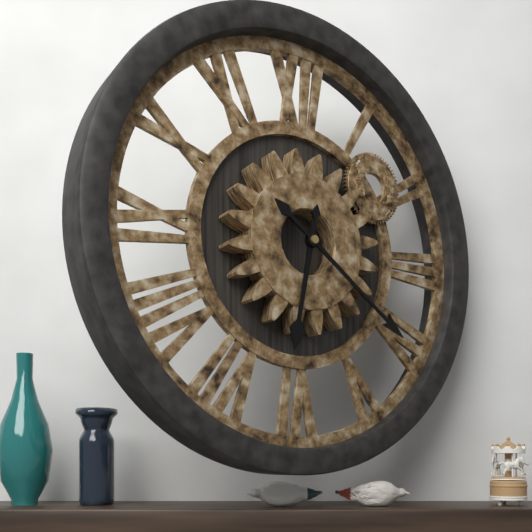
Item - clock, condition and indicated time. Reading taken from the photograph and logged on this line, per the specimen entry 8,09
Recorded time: 6,21
